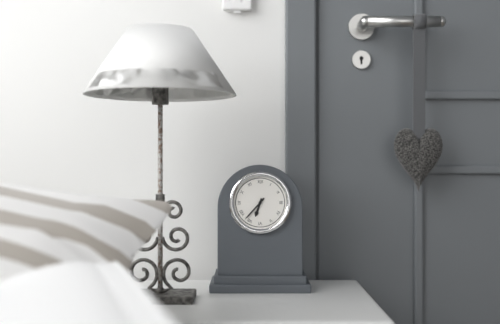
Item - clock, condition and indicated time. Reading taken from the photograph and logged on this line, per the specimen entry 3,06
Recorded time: 6,37
